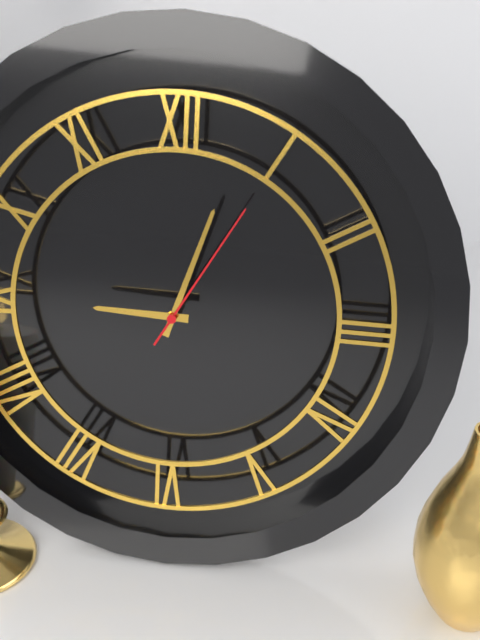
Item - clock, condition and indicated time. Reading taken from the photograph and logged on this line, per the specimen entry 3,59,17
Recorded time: 9,03,05
